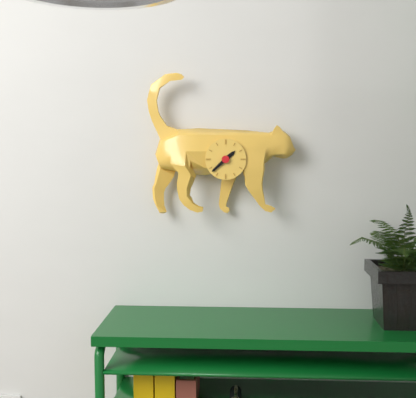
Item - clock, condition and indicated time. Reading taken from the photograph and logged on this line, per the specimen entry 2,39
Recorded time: 1,38
